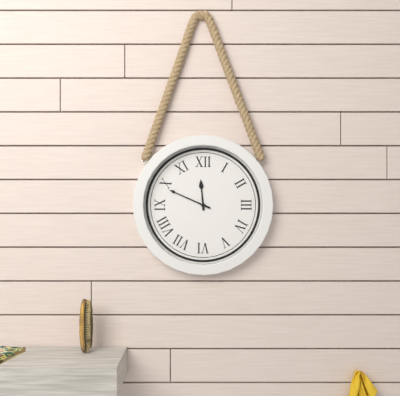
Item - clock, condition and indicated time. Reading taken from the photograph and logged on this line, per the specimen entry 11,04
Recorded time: 11,49
